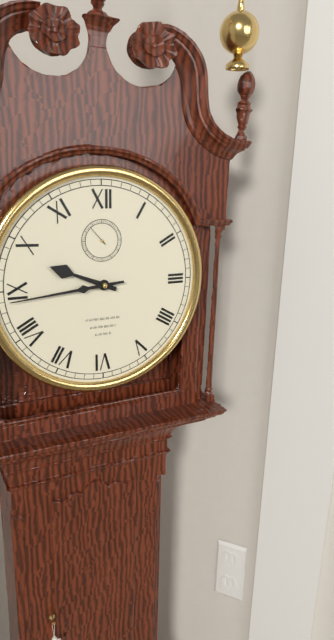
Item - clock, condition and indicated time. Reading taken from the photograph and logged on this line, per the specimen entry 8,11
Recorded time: 9,44
